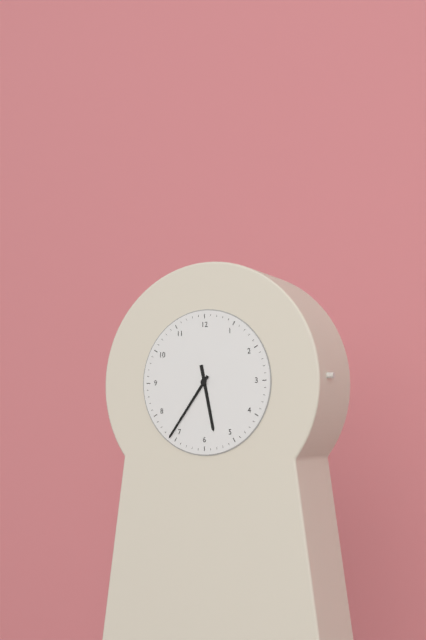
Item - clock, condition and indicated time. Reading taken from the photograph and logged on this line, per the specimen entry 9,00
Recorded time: 5,36
